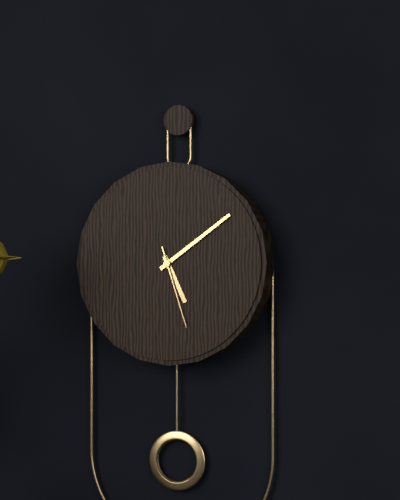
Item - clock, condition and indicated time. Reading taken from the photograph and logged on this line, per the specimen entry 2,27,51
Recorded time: 5,09,27
